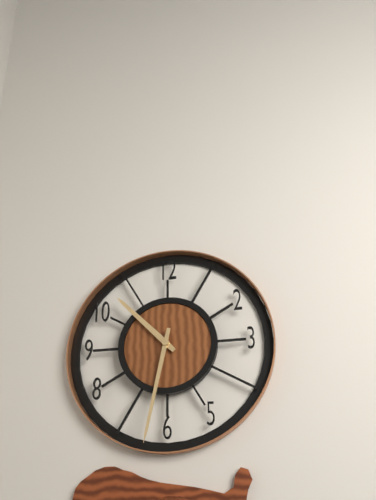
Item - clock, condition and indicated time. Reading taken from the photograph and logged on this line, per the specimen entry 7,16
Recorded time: 10,32
